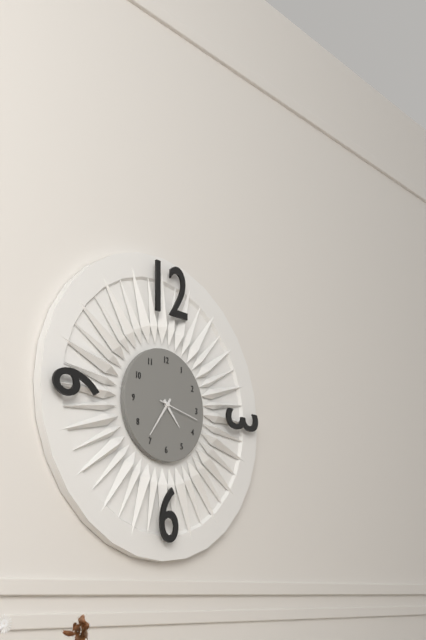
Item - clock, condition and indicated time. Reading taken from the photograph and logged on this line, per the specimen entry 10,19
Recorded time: 4,36
